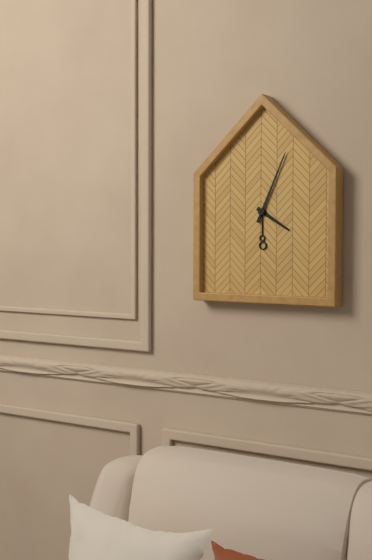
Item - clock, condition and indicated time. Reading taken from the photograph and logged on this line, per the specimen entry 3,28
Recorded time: 4,04
